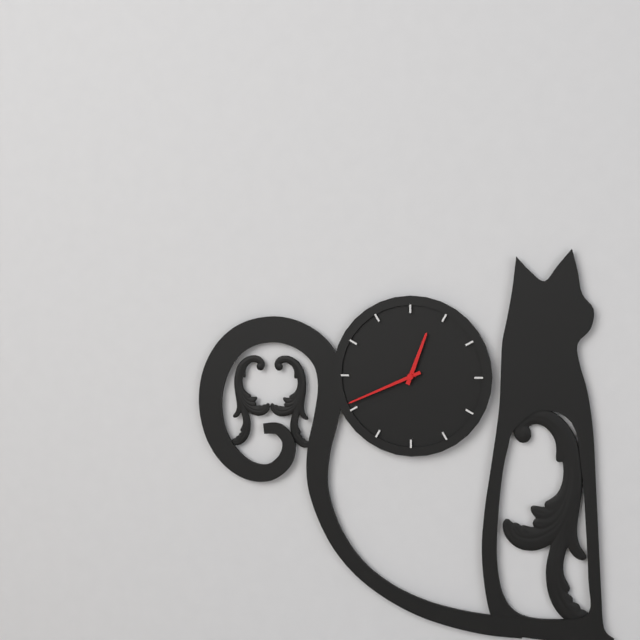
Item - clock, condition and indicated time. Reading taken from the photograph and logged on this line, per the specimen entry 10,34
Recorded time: 12,41
